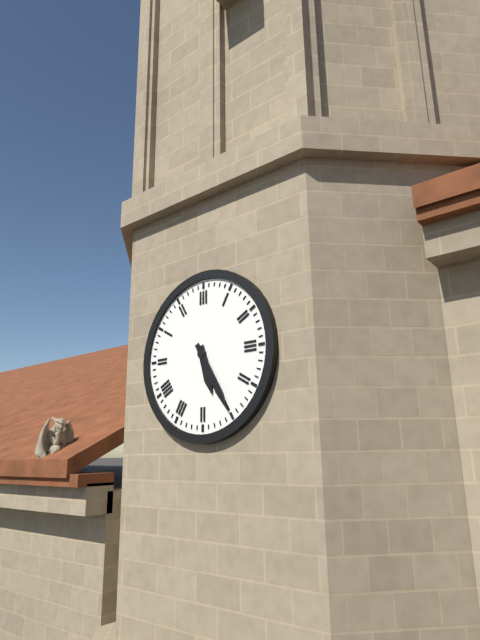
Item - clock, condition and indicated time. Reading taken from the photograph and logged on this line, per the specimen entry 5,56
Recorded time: 5,25
